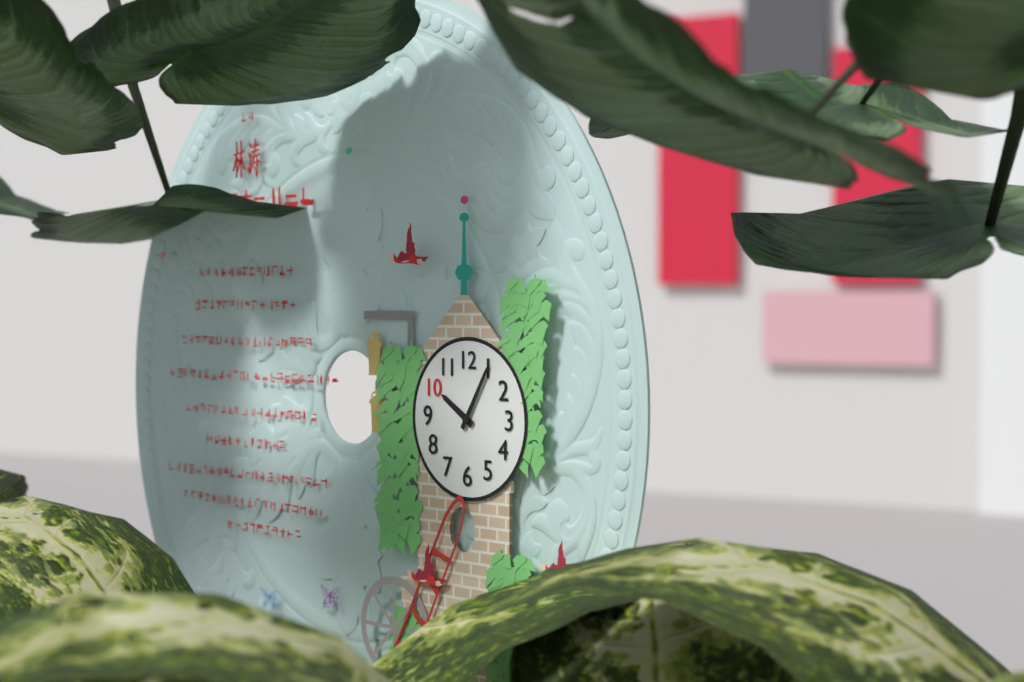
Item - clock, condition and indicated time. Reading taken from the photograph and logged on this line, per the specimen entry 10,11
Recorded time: 10,05
